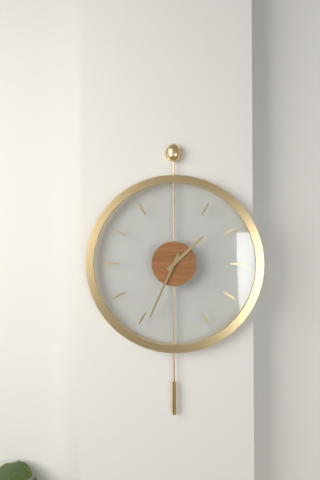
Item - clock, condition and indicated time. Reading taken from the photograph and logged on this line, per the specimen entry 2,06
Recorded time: 1,34
